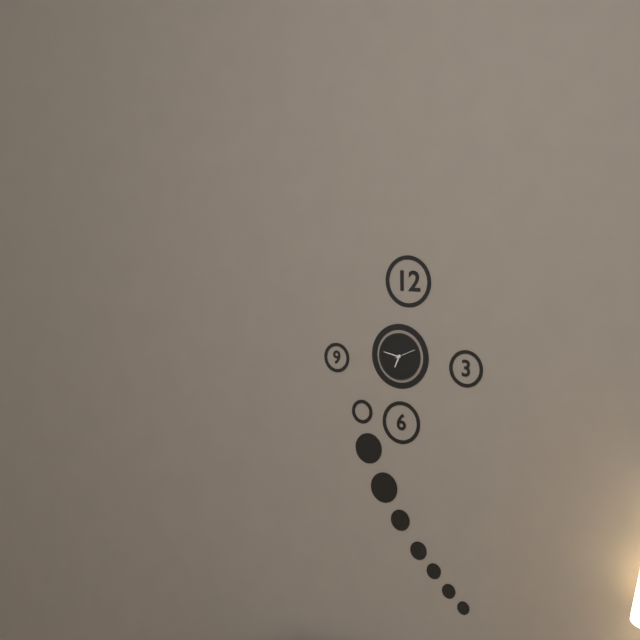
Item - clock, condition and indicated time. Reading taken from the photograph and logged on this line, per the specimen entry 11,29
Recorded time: 6,47
